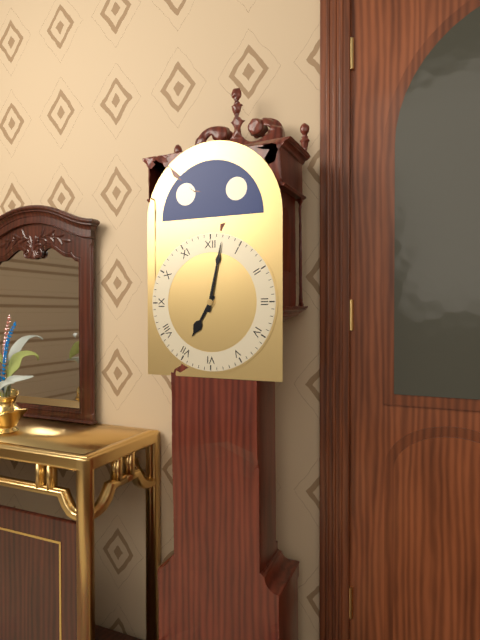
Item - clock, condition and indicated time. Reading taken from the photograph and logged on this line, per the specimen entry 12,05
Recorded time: 7,02
